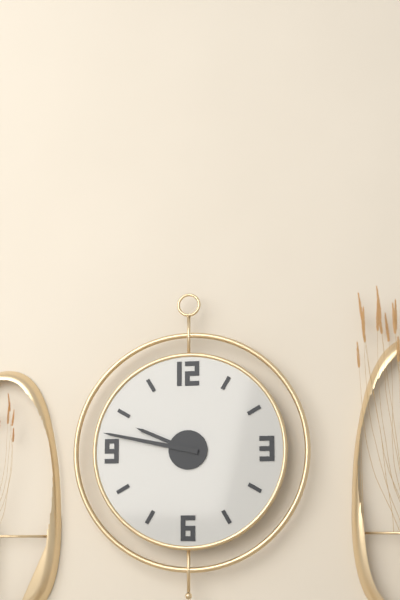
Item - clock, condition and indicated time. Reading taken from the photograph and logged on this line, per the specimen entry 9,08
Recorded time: 9,47
